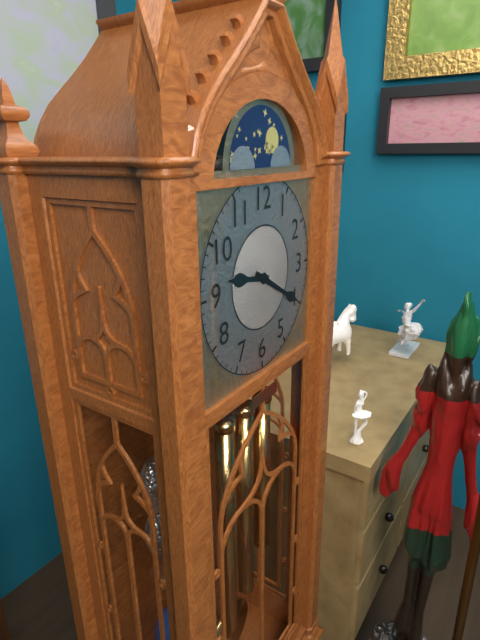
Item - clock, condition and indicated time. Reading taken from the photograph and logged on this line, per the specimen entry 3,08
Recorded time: 9,20
